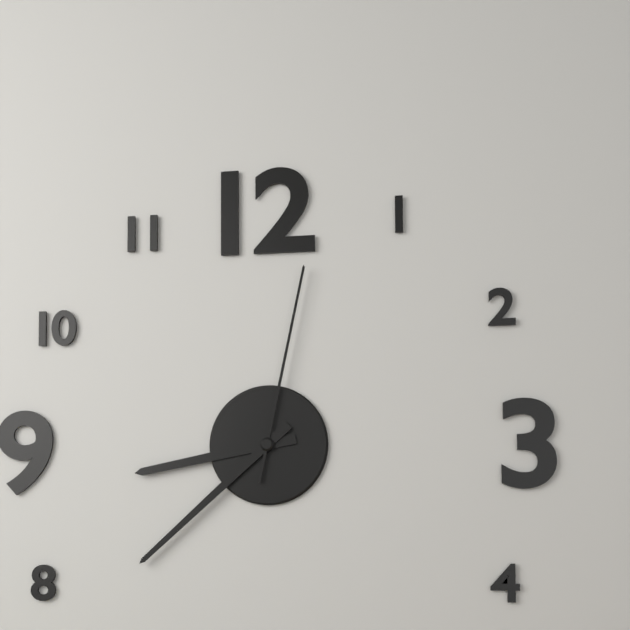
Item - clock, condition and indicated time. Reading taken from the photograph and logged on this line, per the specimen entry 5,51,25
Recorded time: 8,38,02
